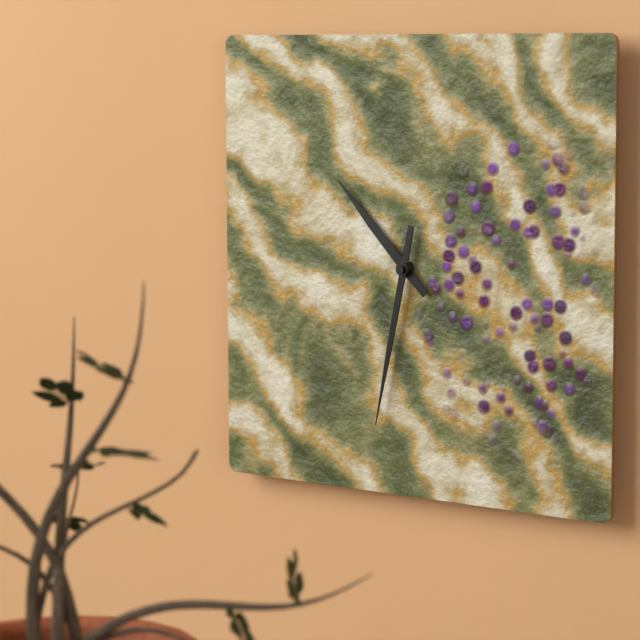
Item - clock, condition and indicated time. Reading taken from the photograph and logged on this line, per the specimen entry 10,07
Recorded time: 10,32
